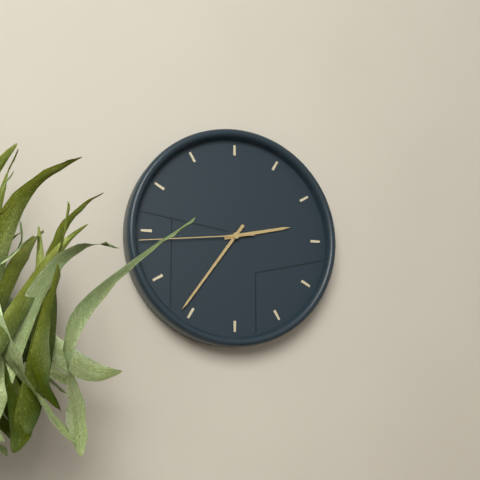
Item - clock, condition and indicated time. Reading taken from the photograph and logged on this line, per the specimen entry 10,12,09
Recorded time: 2,36,44
